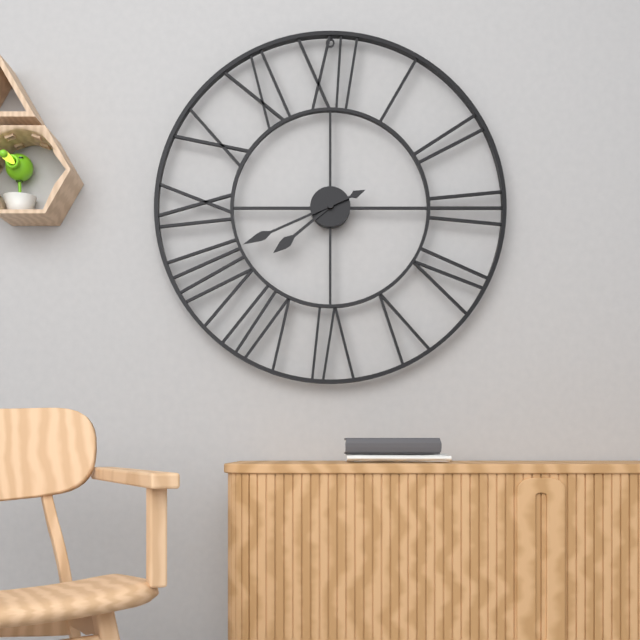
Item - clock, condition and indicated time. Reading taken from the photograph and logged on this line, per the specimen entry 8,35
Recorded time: 7,41
